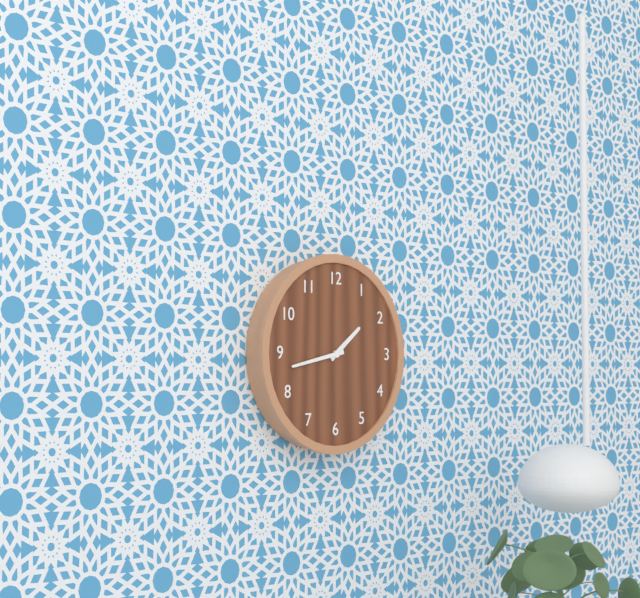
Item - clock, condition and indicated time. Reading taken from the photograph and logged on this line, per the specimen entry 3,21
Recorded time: 1,43
